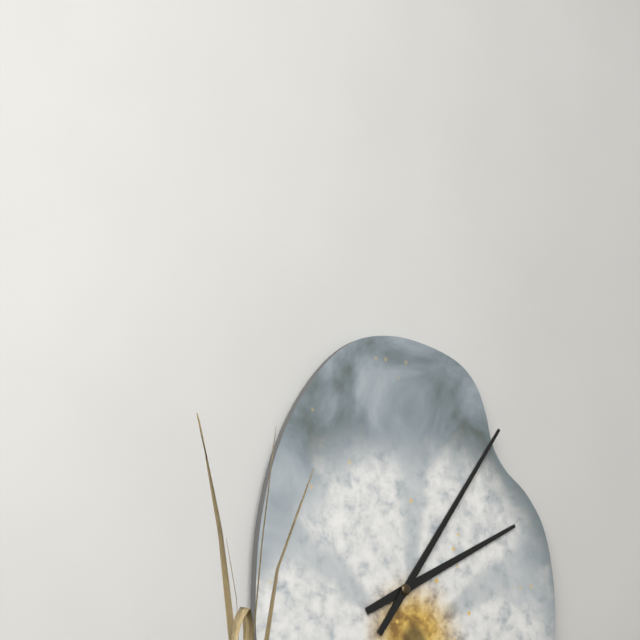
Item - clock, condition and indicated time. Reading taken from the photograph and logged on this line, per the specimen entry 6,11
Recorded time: 2,06
